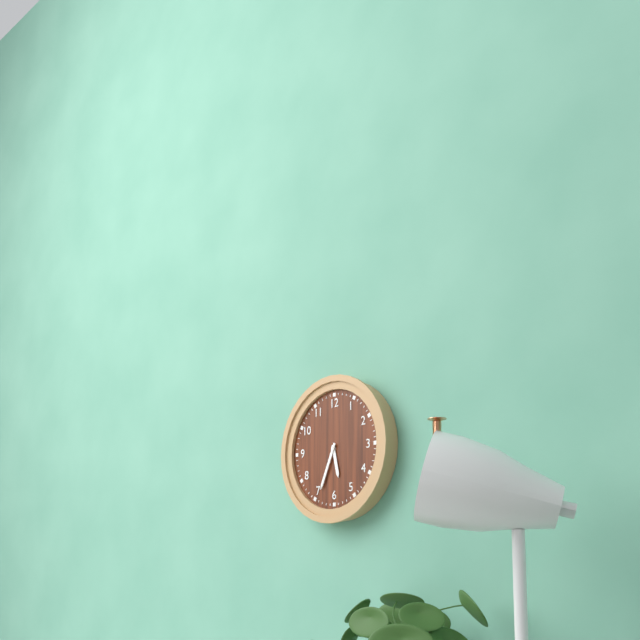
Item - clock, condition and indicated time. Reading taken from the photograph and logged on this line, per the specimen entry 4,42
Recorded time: 5,34
